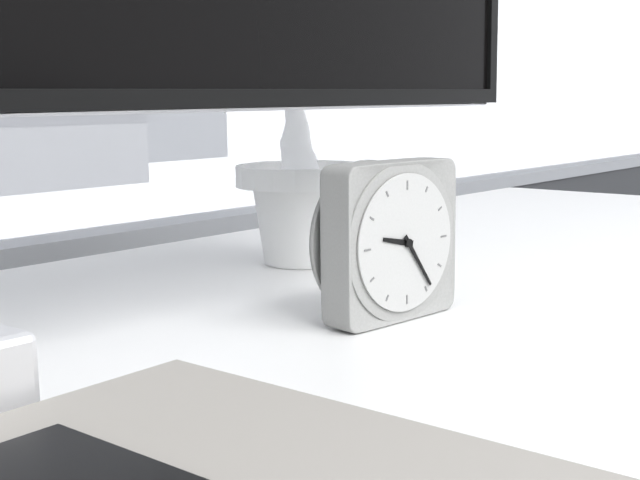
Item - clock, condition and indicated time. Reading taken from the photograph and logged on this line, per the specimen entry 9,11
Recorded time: 9,24
